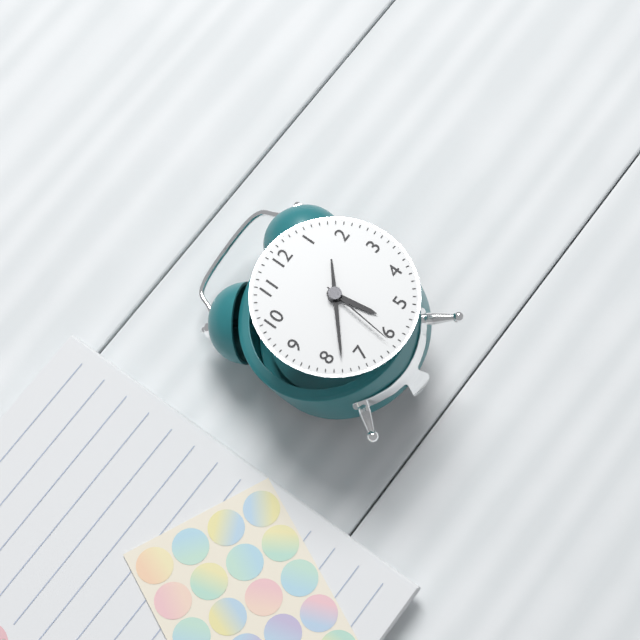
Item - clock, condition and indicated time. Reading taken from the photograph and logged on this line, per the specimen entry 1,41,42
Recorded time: 5,38,31
